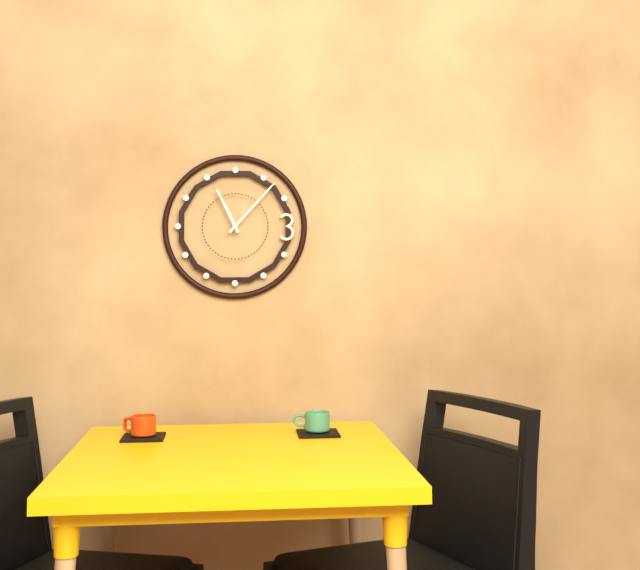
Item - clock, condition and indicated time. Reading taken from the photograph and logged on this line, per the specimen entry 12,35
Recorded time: 11,07
